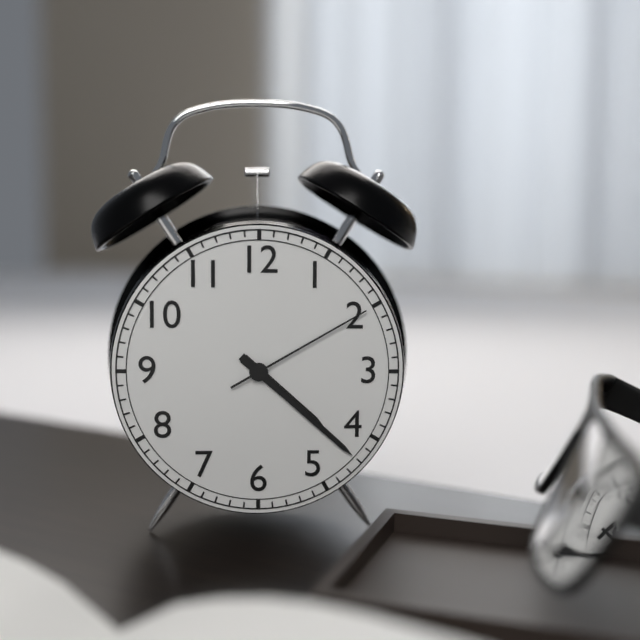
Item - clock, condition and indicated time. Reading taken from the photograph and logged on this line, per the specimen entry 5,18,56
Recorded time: 4,22,10
